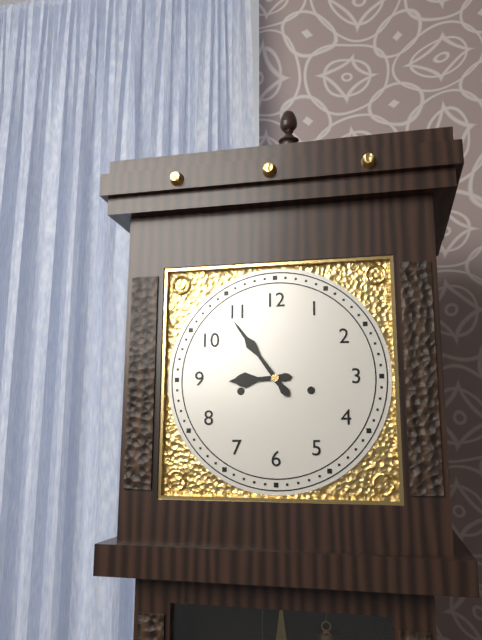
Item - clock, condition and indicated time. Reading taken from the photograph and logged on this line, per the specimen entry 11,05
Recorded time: 8,54
